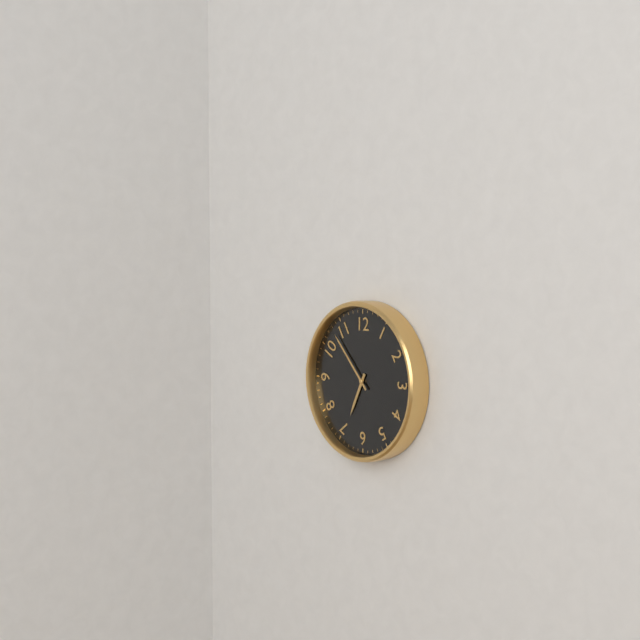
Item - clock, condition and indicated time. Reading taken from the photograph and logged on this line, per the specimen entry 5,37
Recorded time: 6,53
